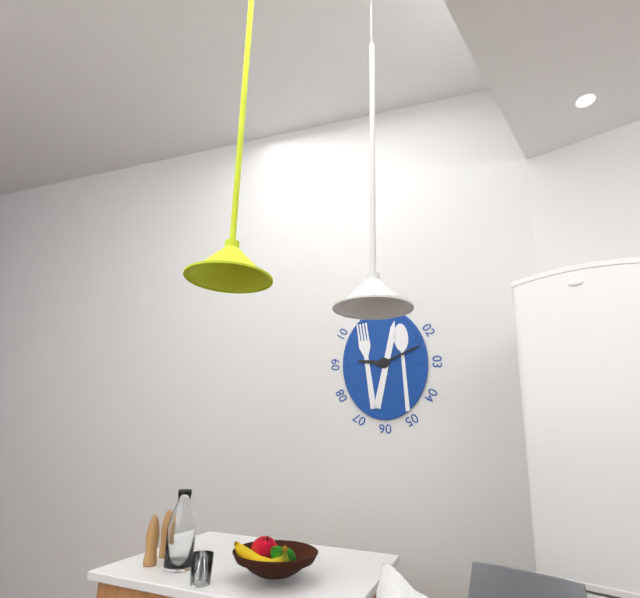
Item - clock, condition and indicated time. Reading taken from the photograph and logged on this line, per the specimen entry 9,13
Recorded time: 9,11
